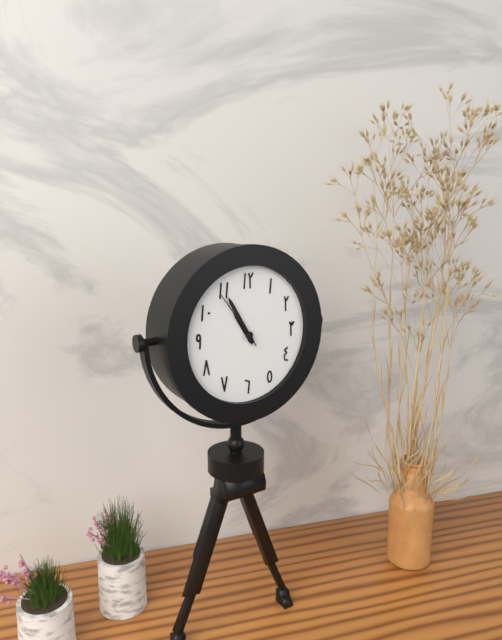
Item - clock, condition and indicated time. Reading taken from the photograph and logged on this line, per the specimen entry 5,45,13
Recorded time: 10,55,54
